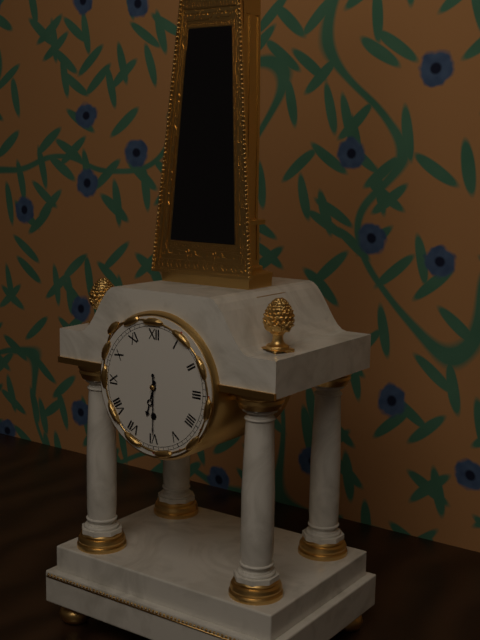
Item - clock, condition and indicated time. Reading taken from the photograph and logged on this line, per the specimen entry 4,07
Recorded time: 6,30
